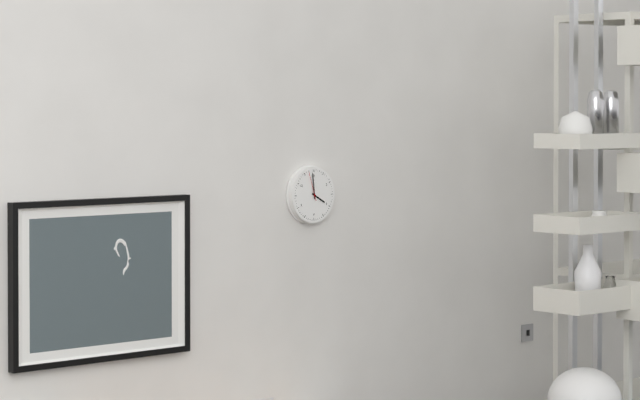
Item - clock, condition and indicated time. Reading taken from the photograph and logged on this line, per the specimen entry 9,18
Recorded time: 3,59
